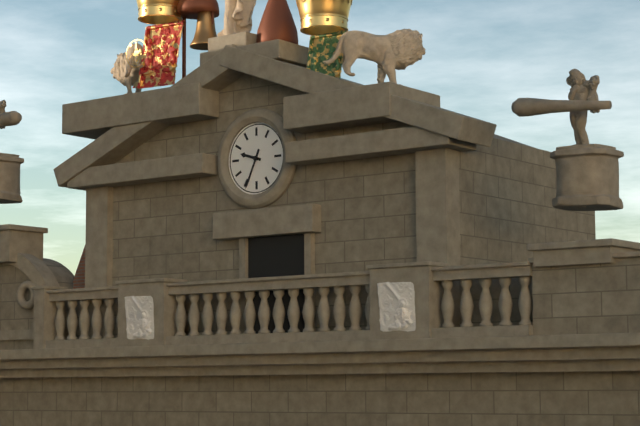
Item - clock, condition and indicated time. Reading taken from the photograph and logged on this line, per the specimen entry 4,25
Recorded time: 9,34
